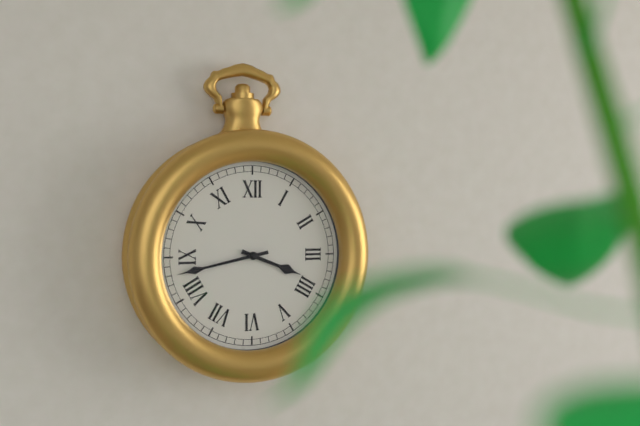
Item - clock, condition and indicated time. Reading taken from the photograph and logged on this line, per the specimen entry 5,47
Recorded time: 3,43
